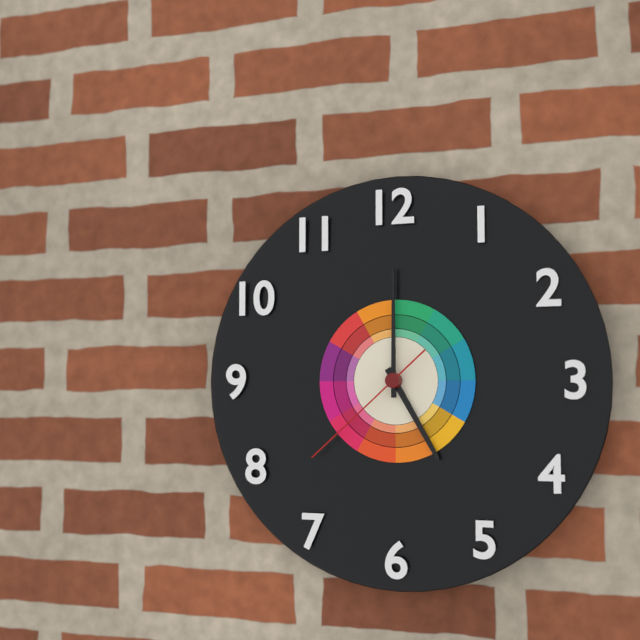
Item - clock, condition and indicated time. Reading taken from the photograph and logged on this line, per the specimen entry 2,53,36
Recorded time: 5,00,38
